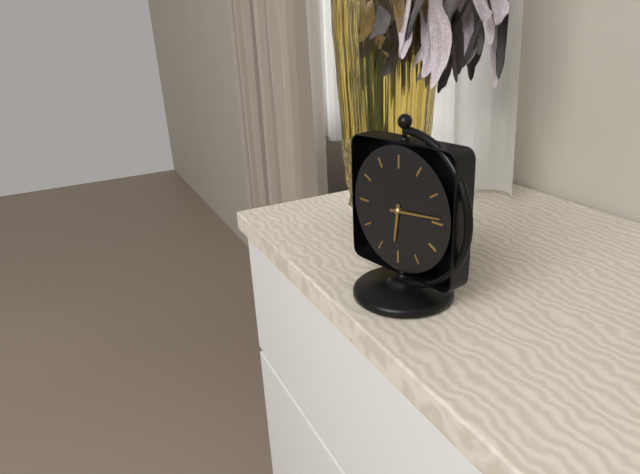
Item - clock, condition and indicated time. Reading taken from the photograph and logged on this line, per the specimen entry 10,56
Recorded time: 6,14
